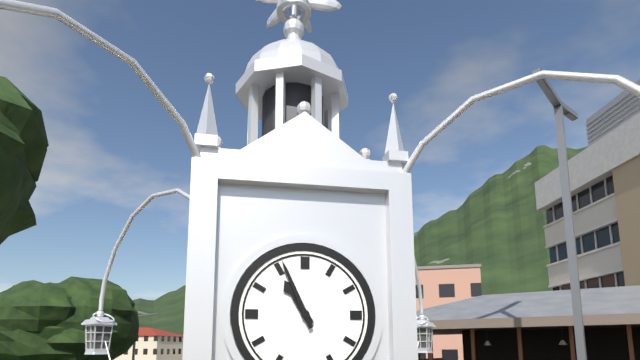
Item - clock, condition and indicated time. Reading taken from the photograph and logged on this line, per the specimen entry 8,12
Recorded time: 10,56
